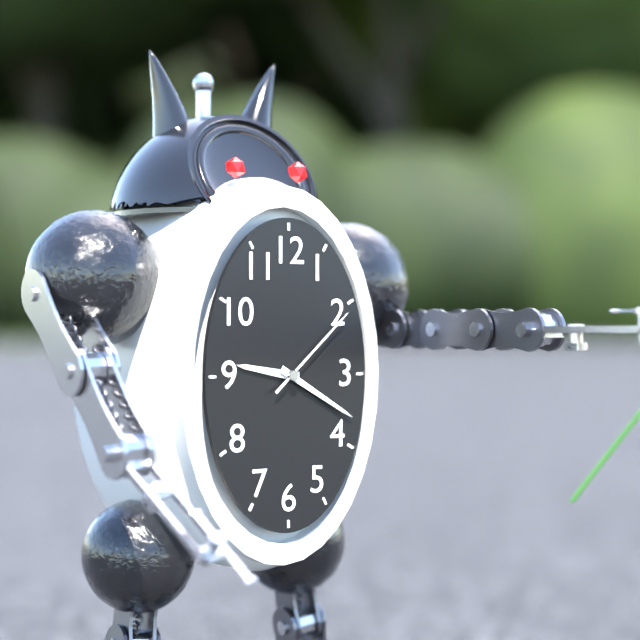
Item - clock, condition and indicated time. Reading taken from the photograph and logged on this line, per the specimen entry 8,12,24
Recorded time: 9,20,08
